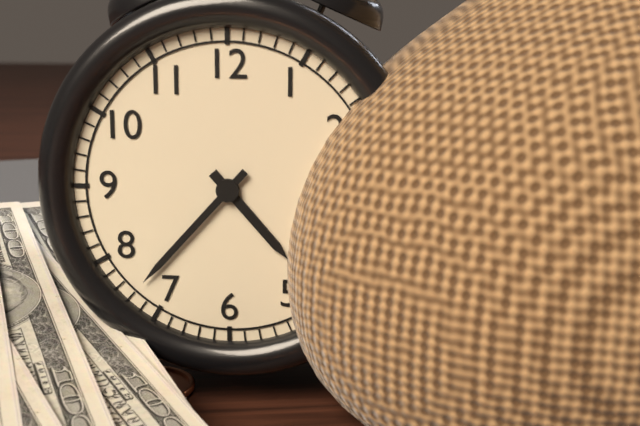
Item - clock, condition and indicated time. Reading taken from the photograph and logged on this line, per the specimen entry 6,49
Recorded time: 4,37
